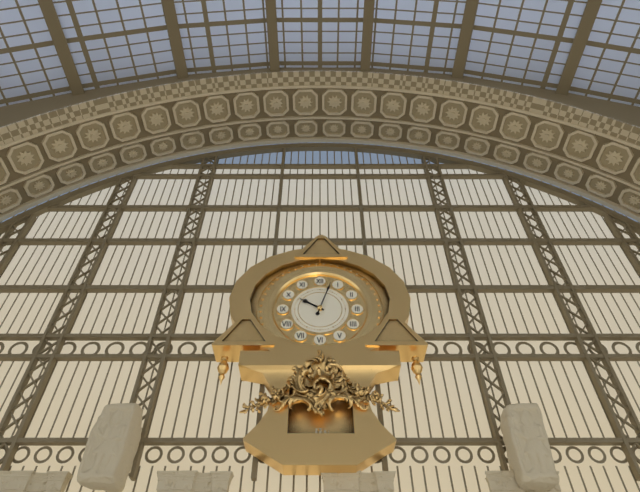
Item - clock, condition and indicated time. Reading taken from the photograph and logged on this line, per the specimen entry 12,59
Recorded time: 10,03
